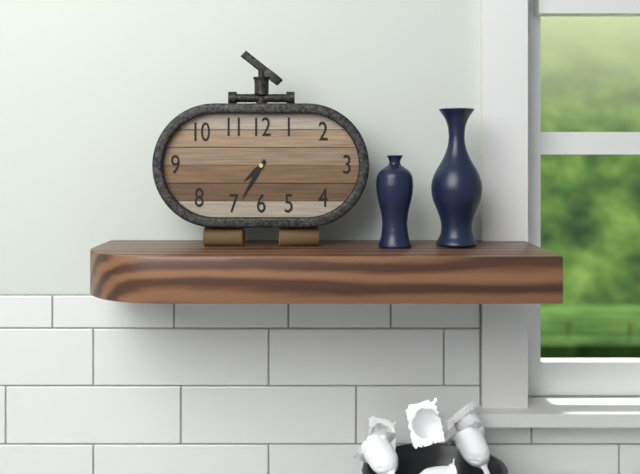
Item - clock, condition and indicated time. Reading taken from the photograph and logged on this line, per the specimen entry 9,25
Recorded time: 7,35
